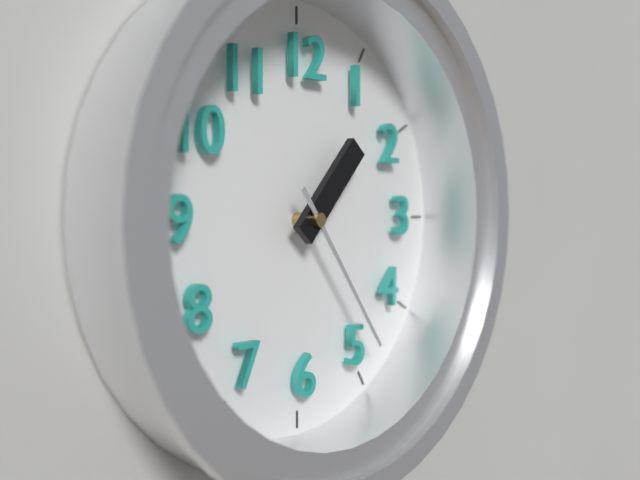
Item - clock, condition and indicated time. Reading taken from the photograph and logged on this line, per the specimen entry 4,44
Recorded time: 1,24
